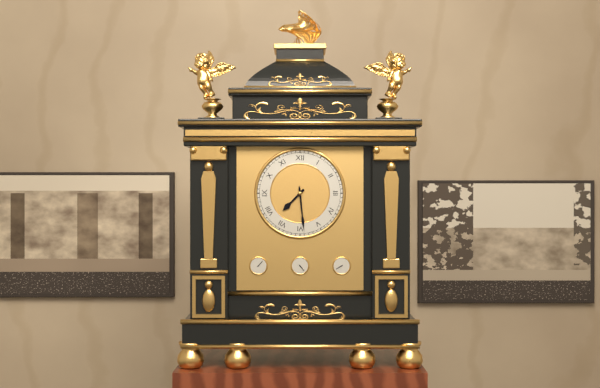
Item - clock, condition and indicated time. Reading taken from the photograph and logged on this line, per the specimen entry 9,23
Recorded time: 7,29
